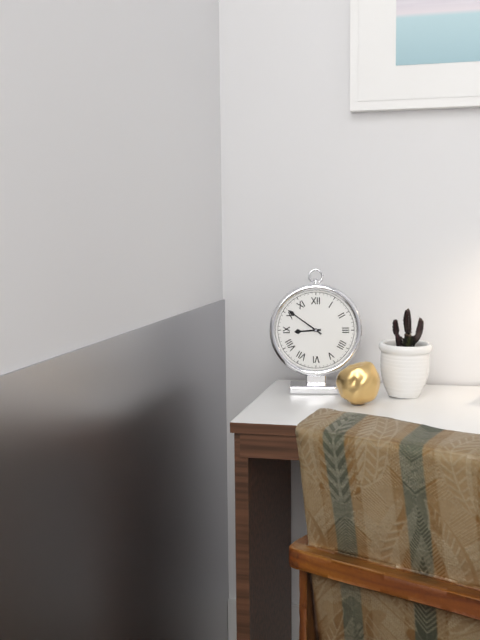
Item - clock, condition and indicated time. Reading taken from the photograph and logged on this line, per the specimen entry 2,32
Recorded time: 8,51
